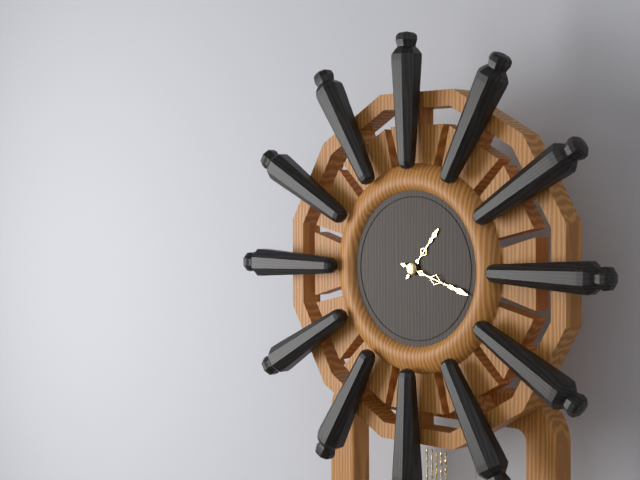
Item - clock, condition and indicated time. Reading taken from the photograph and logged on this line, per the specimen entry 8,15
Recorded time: 1,18
